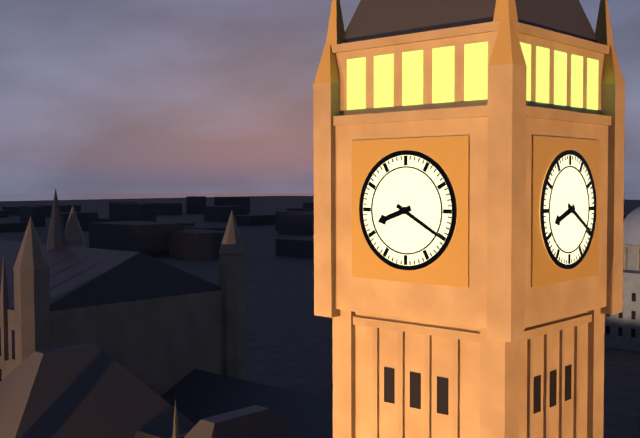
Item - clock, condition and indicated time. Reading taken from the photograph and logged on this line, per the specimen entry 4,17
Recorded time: 8,20
